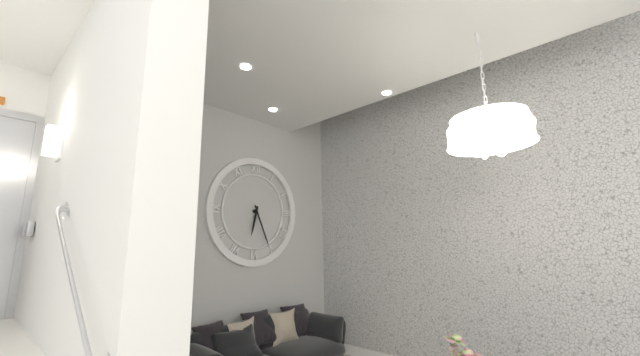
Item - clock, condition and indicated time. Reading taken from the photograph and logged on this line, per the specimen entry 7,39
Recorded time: 6,26
